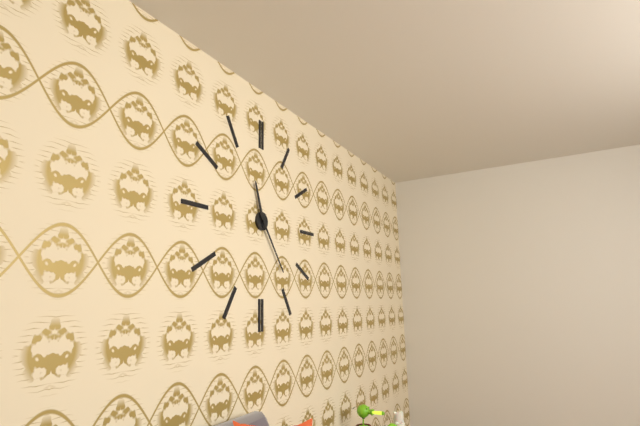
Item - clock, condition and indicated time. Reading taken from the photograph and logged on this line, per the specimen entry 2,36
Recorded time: 11,24
